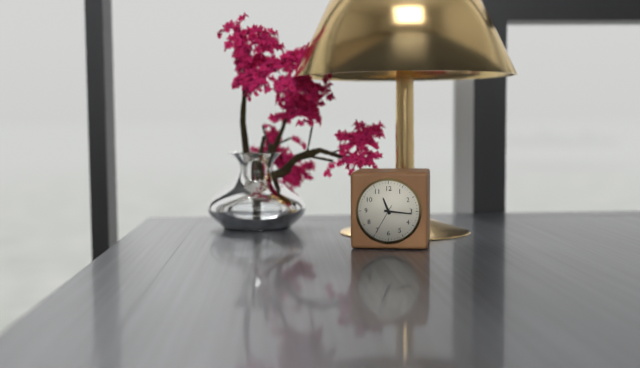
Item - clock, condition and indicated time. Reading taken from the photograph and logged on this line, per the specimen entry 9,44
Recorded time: 11,16
